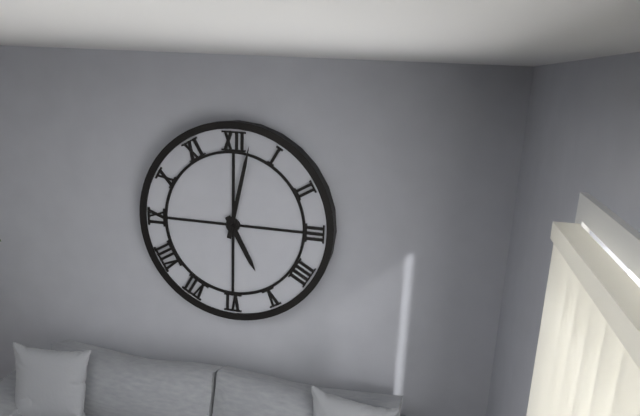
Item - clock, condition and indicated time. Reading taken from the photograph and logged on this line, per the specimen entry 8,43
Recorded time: 5,02
